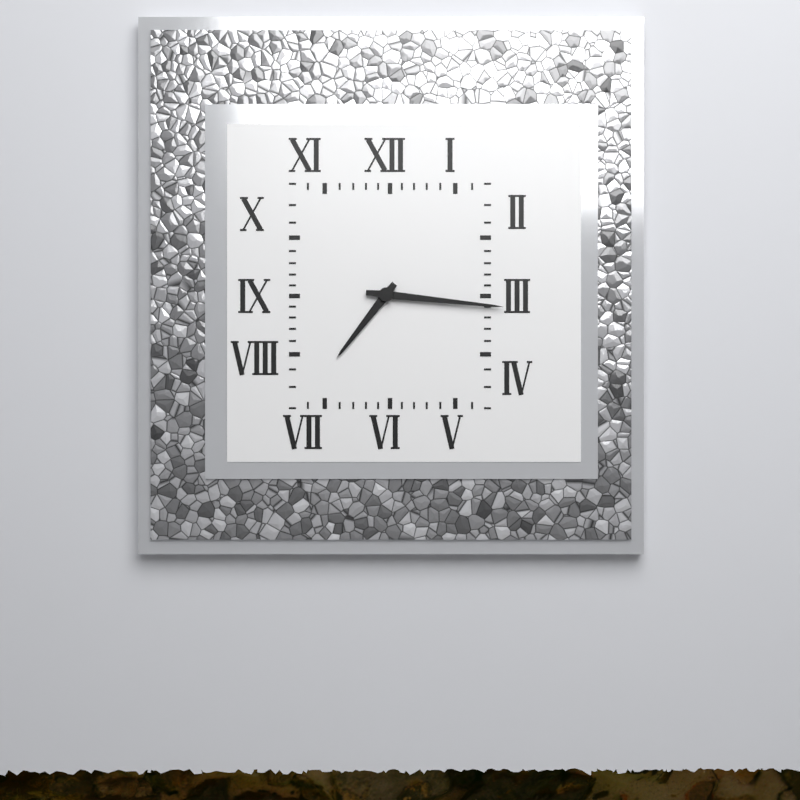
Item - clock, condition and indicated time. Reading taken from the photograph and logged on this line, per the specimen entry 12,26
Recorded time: 7,16
